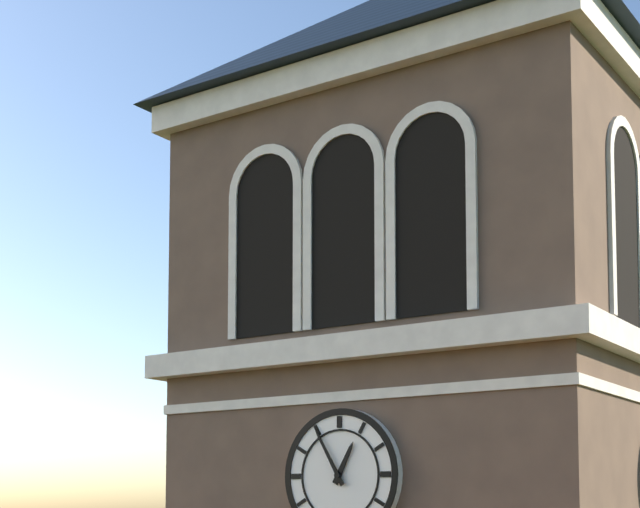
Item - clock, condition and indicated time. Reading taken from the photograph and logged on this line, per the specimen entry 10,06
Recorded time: 12,55
